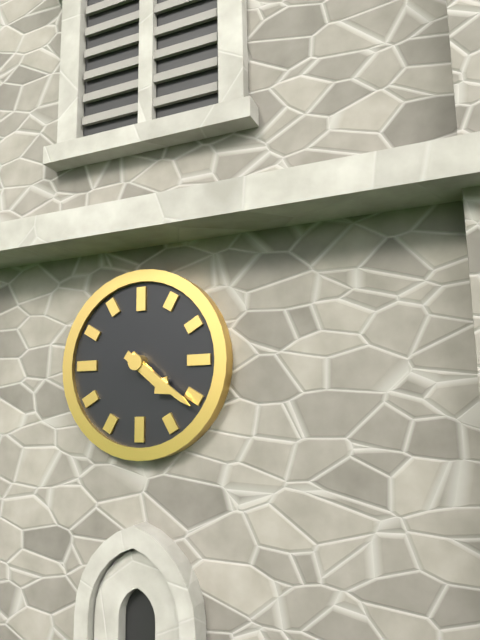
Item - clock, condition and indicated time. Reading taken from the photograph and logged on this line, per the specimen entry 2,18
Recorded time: 4,21
